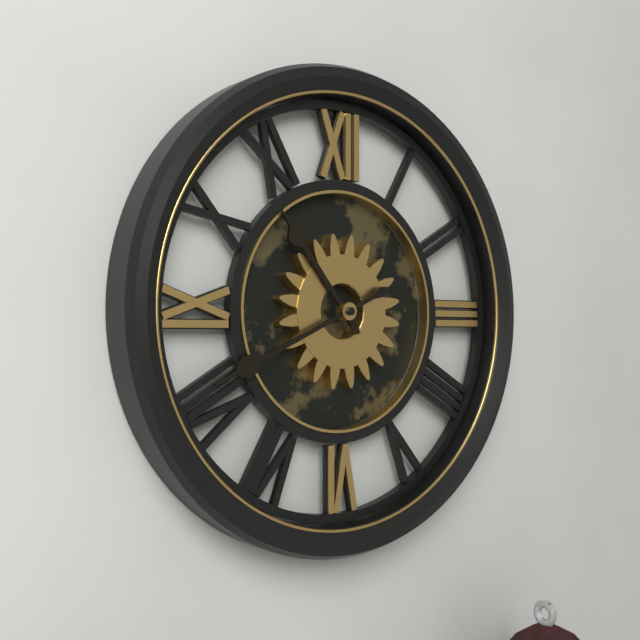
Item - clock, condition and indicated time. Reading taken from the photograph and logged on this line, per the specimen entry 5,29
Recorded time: 10,41
